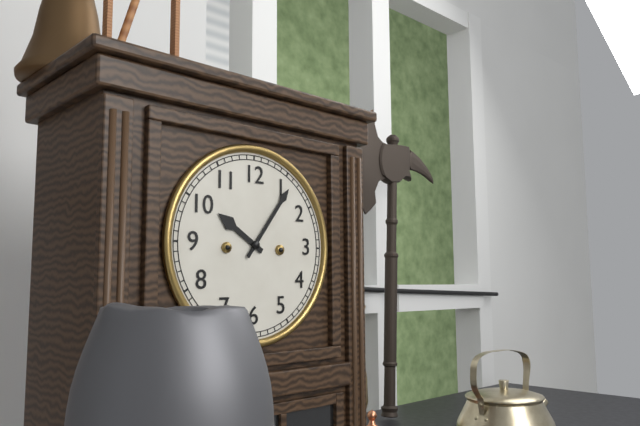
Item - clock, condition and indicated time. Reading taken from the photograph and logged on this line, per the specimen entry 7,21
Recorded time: 10,06
